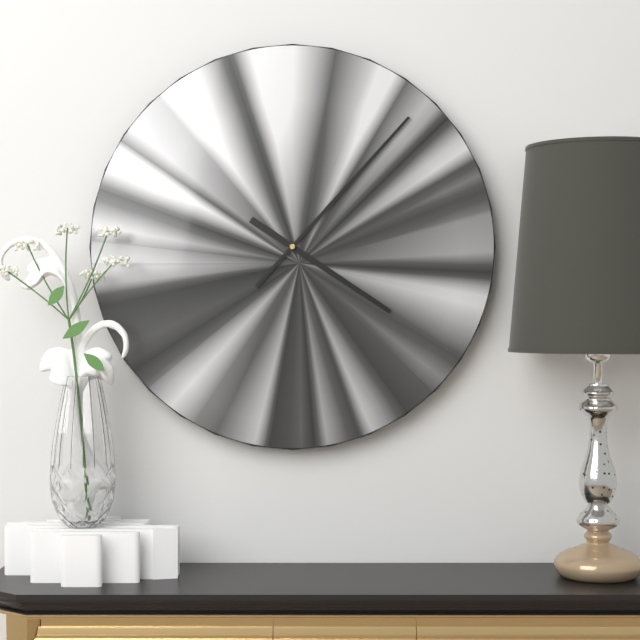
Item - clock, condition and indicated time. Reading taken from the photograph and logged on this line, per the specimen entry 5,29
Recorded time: 4,07
